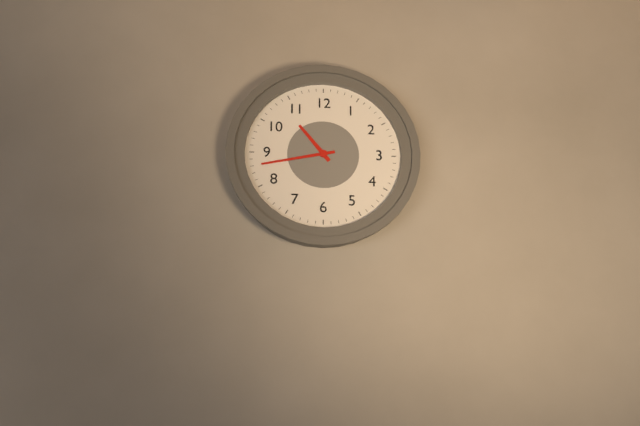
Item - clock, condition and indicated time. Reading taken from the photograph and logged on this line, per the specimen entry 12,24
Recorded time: 10,43
